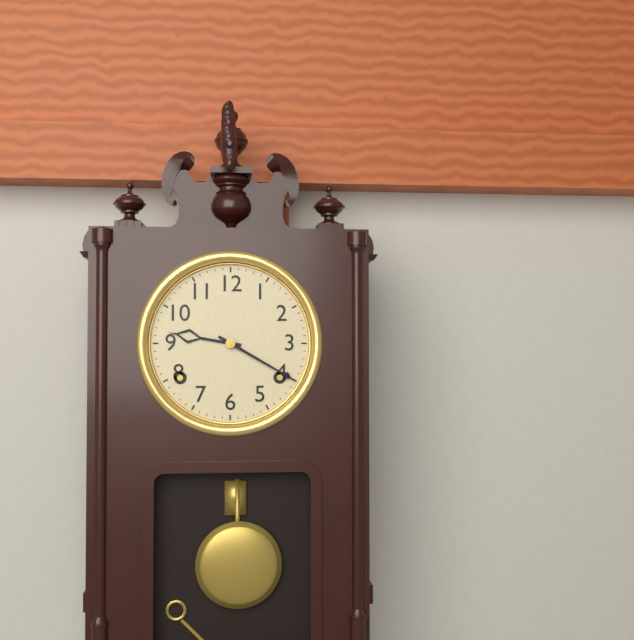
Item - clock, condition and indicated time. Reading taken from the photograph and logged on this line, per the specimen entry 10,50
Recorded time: 9,20
